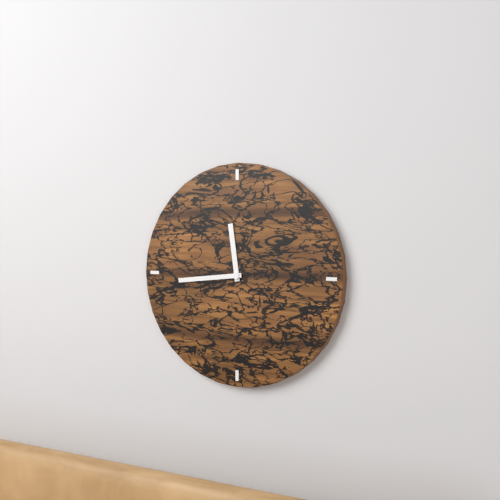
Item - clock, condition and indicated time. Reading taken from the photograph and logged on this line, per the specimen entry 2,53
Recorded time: 11,44
